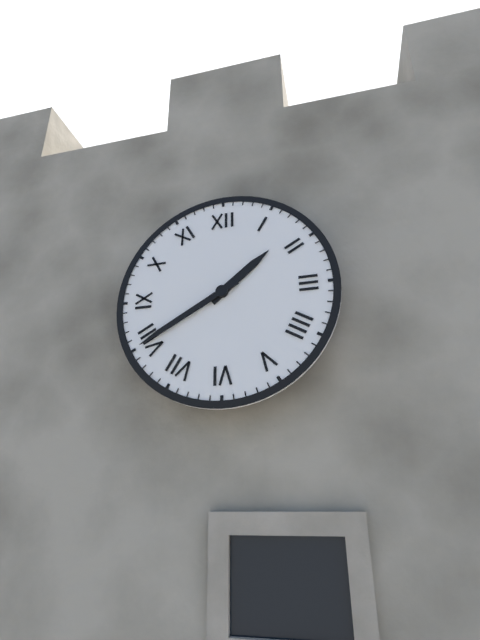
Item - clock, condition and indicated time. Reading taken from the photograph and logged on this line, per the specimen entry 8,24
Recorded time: 1,40
